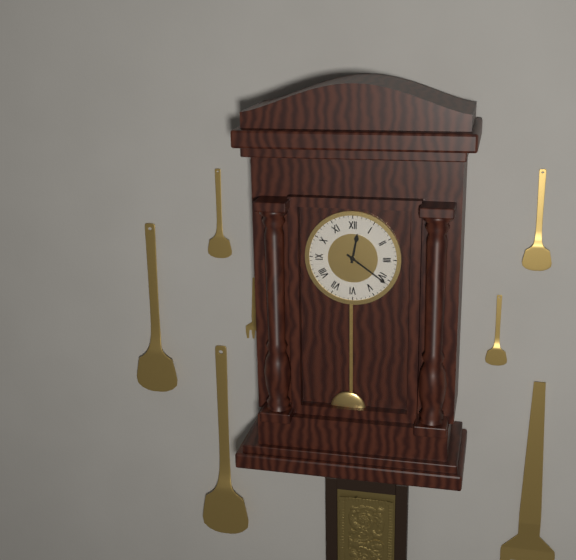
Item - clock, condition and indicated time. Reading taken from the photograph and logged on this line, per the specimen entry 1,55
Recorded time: 12,21
